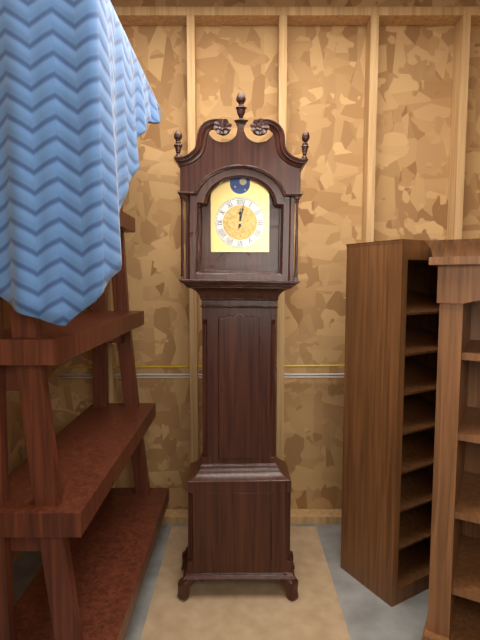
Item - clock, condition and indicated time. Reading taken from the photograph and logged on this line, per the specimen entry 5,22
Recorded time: 12,02
